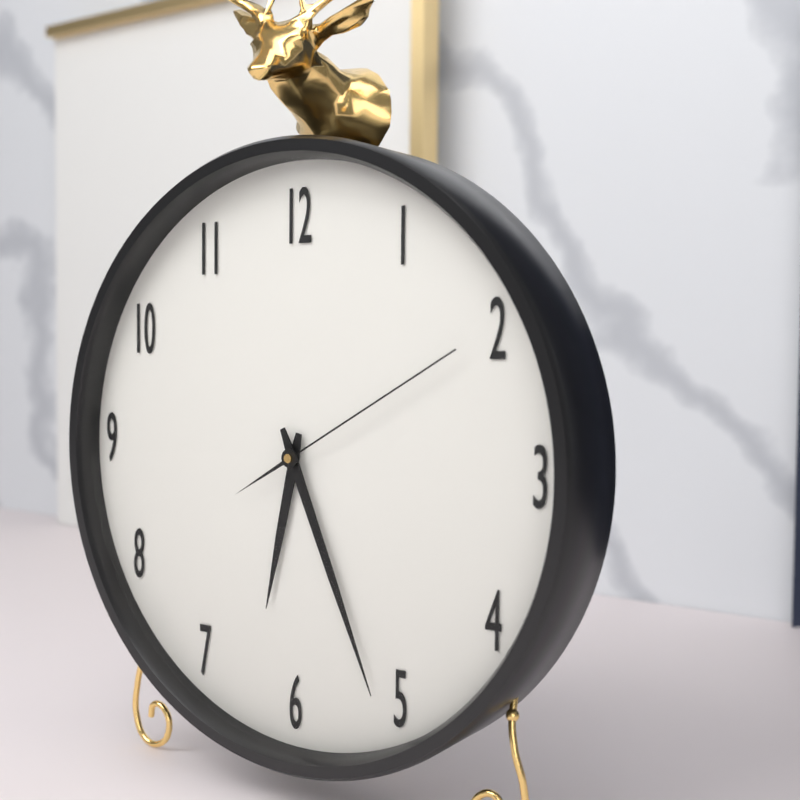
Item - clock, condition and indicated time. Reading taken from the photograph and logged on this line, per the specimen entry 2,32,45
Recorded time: 6,26,10
